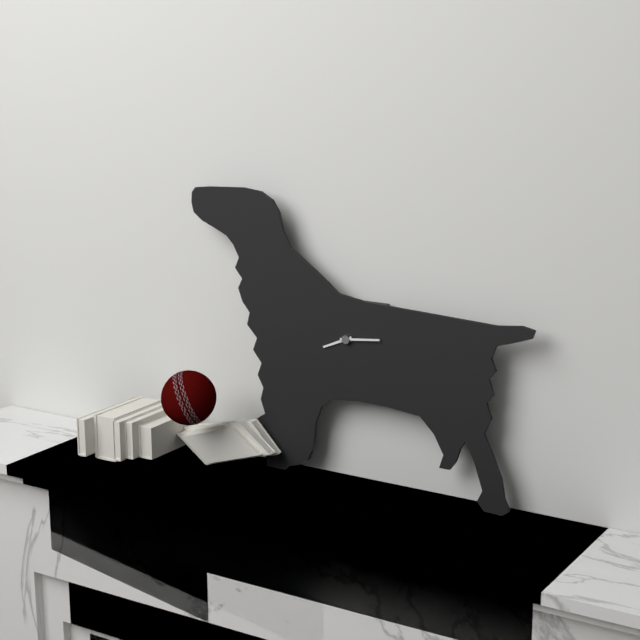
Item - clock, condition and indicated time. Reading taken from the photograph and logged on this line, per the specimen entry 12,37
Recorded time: 8,14
